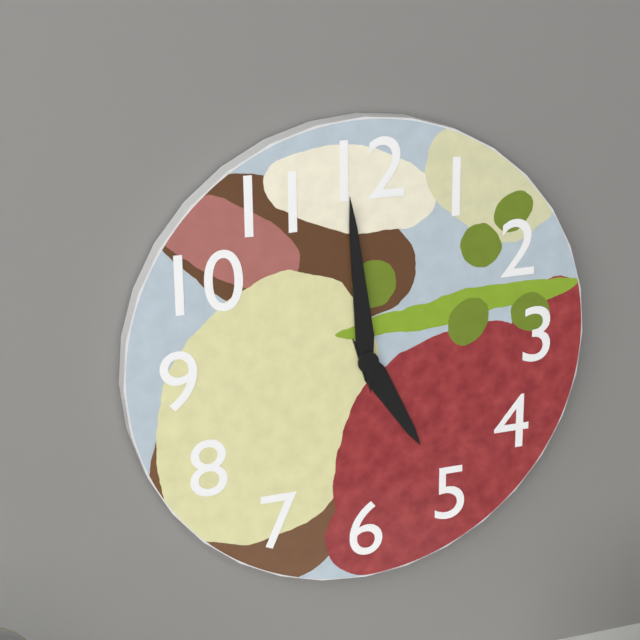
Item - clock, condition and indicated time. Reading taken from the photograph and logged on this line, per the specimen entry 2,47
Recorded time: 4,59
